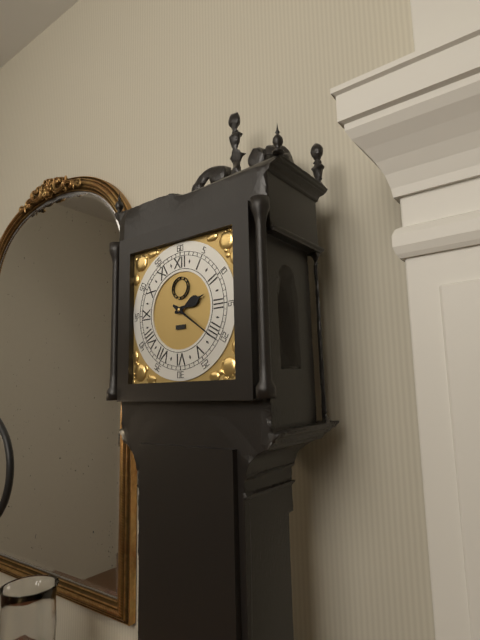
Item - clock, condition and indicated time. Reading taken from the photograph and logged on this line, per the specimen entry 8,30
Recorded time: 2,21
